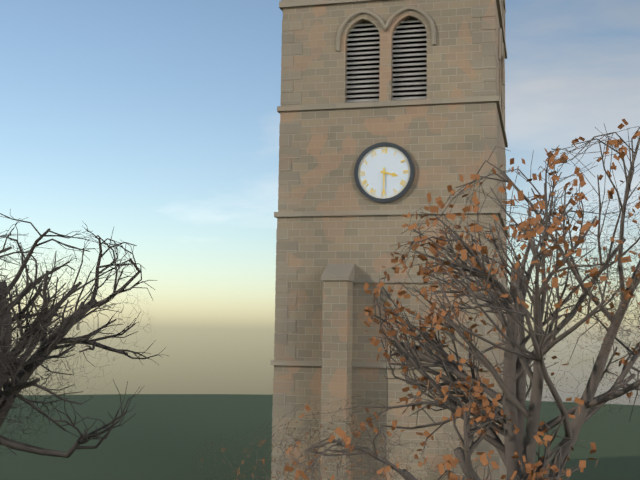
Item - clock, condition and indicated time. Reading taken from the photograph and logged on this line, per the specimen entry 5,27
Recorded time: 3,30
